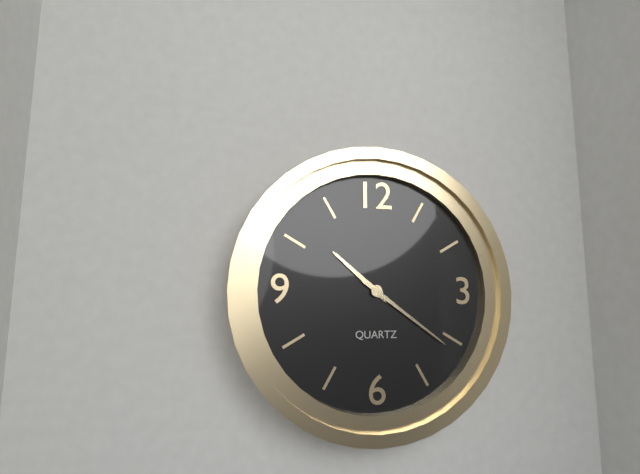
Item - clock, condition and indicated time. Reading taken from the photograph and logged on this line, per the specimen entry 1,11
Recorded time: 10,21
